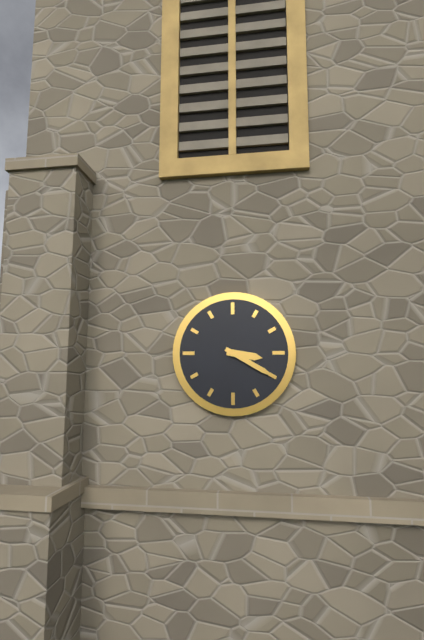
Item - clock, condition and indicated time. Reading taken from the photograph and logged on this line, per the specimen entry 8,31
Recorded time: 3,20
